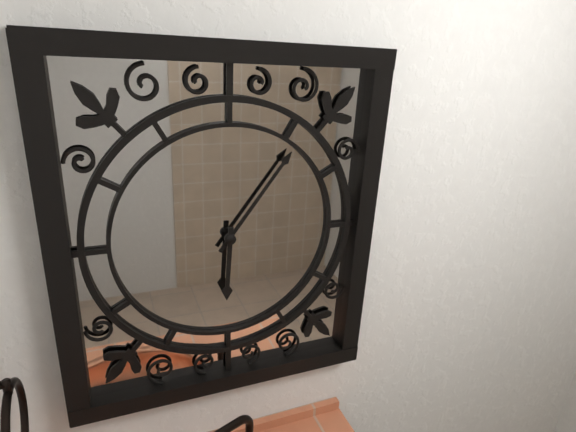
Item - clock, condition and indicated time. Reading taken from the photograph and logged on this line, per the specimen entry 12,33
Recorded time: 6,06
